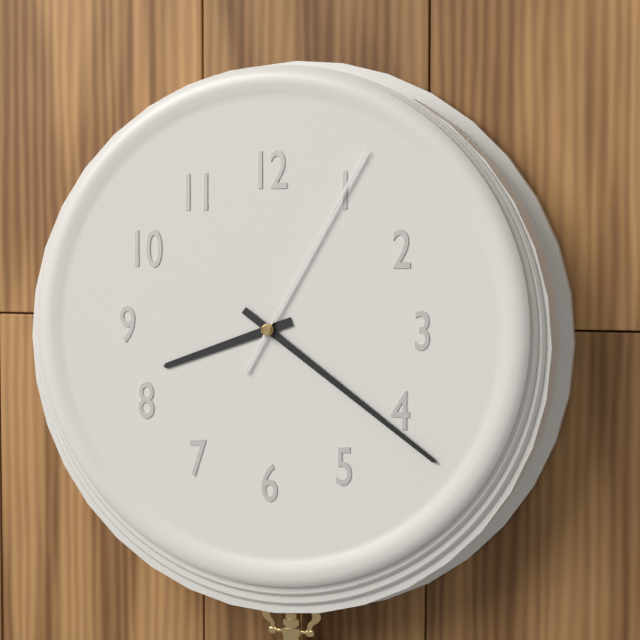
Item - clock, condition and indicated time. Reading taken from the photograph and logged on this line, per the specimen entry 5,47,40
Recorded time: 8,21,05
